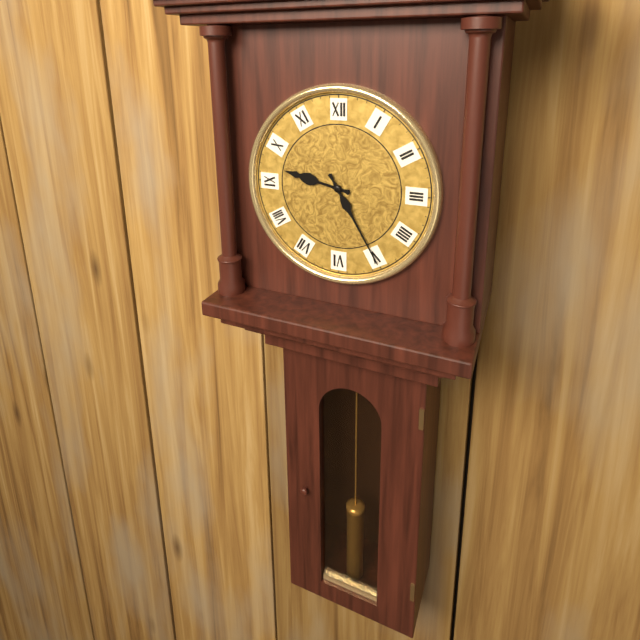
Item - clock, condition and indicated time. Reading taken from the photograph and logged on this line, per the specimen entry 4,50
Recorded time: 9,25
